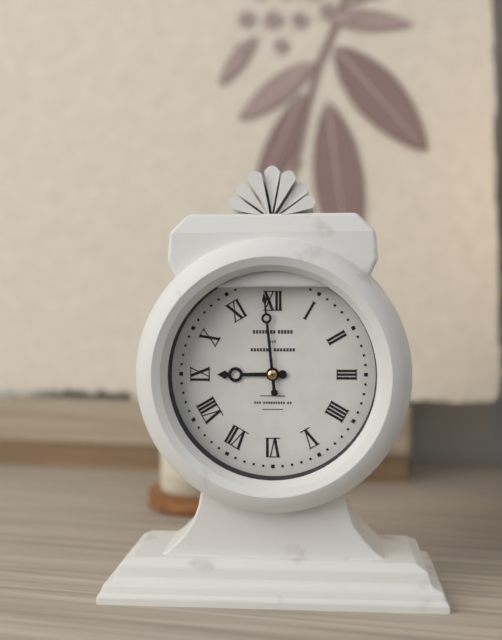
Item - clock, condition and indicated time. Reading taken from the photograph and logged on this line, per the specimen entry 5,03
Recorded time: 8,59
